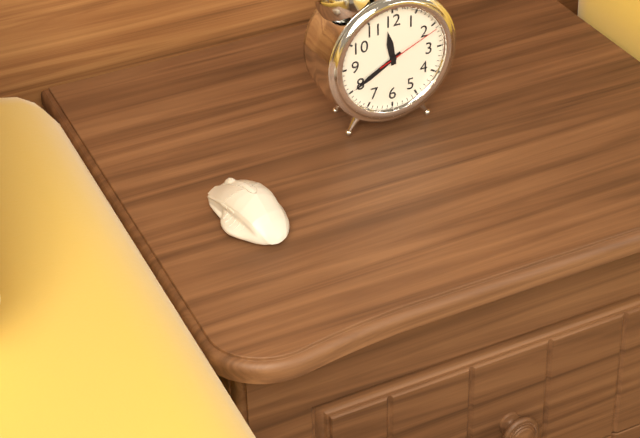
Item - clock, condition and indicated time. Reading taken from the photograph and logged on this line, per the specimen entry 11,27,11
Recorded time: 11,40,11
